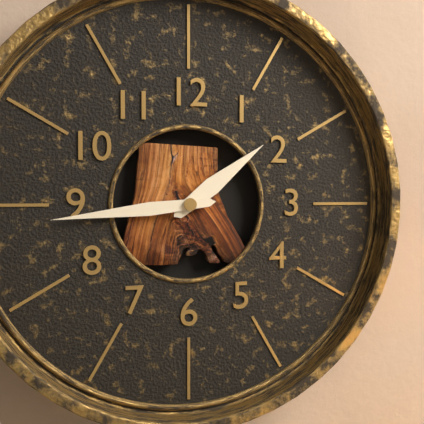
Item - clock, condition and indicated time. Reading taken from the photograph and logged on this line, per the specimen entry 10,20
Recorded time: 1,44
